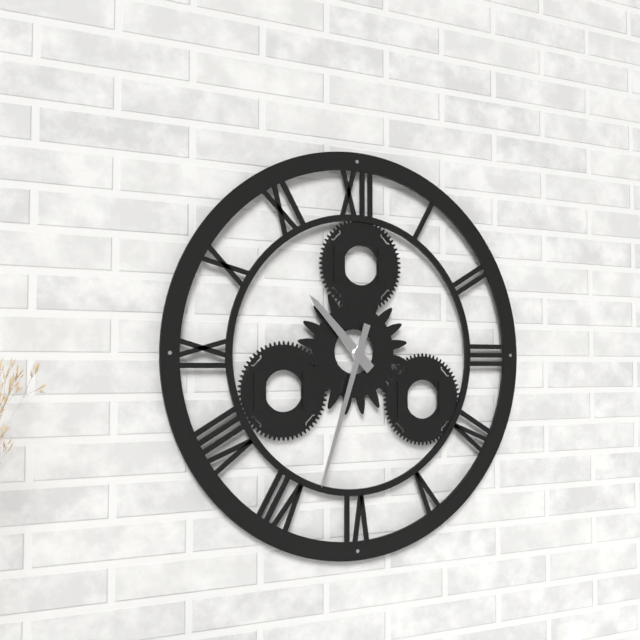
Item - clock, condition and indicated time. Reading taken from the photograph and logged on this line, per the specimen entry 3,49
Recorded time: 10,33
